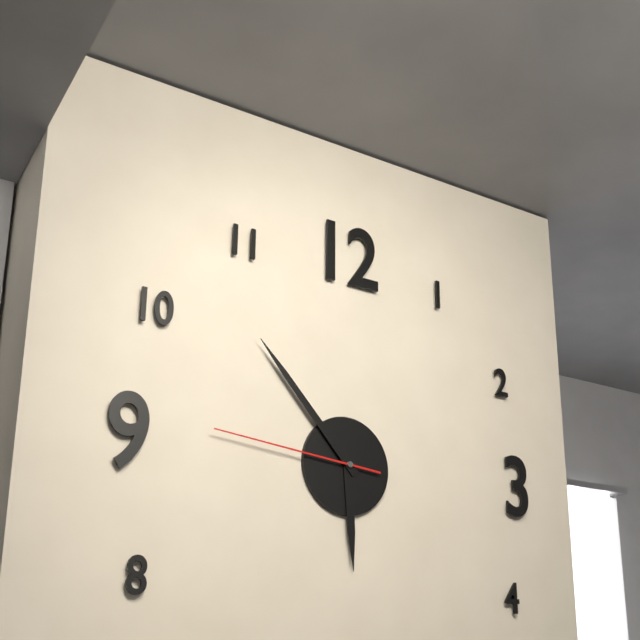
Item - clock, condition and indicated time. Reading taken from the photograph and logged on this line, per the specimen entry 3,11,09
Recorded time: 5,53,46
